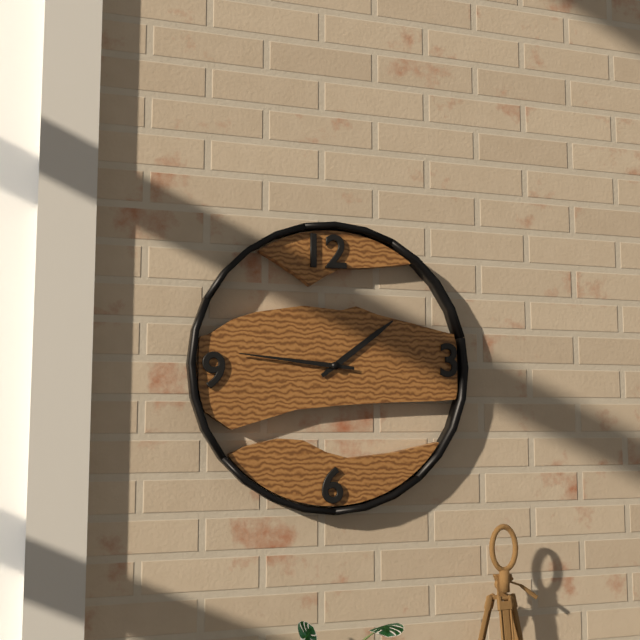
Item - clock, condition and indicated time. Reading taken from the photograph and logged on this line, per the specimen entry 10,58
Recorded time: 1,46
